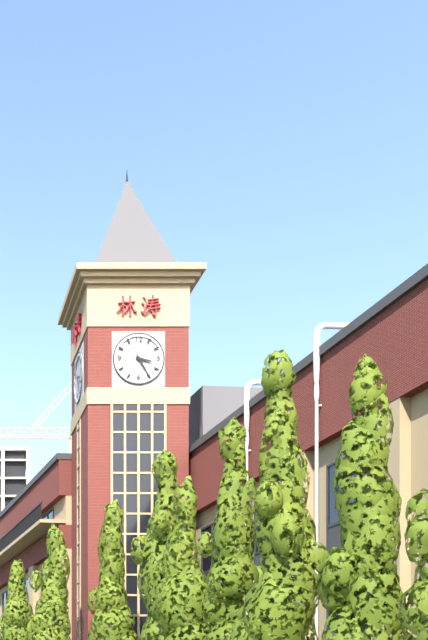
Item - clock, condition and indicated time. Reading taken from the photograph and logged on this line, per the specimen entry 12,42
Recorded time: 3,25
